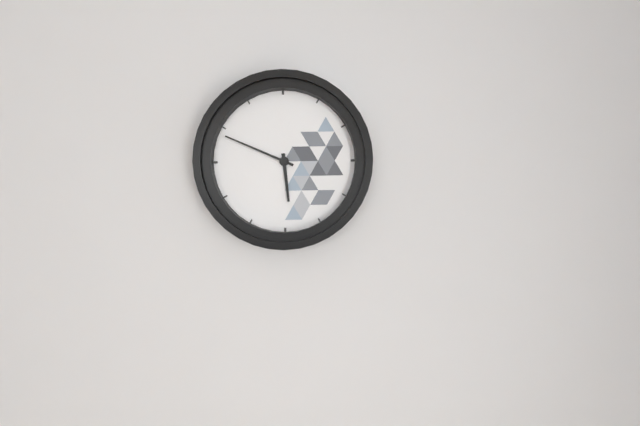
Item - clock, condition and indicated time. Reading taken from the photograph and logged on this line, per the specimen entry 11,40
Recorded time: 5,49
